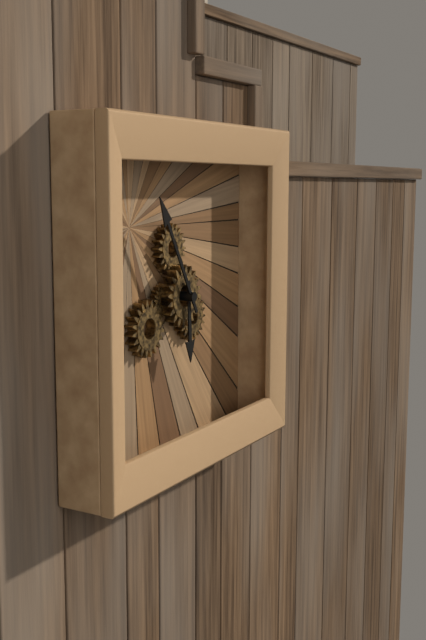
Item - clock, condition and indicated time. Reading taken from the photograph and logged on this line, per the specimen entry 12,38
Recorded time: 5,55
